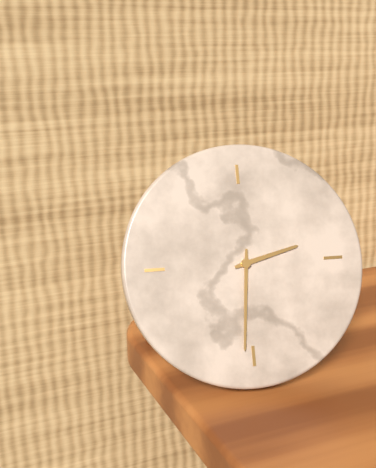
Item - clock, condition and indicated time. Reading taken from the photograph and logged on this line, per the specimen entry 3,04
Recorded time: 2,31
